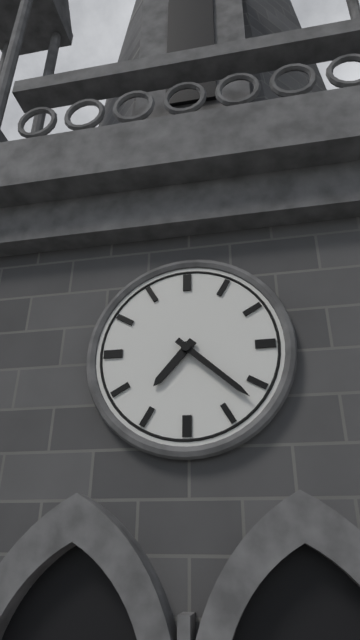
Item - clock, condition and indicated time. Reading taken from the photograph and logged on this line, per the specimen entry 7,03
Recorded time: 7,22
